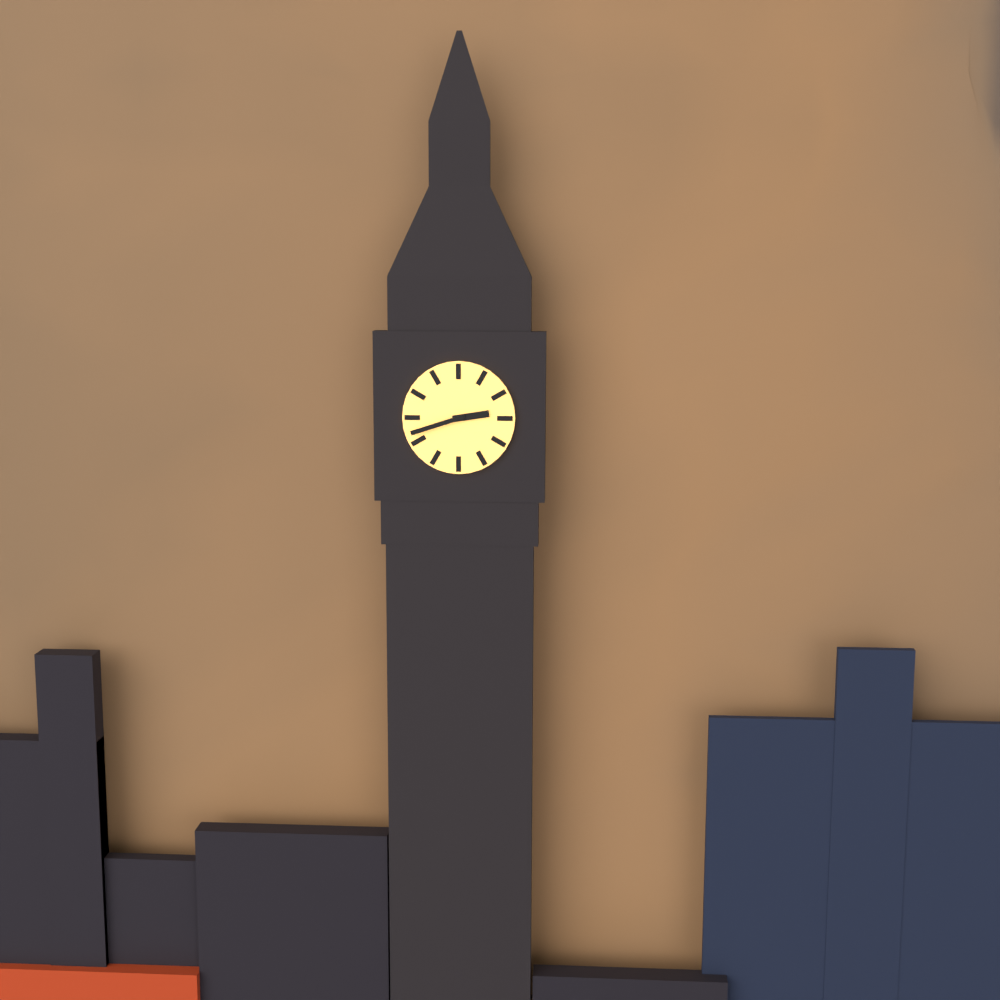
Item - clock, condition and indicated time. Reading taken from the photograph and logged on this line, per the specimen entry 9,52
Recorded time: 2,42
